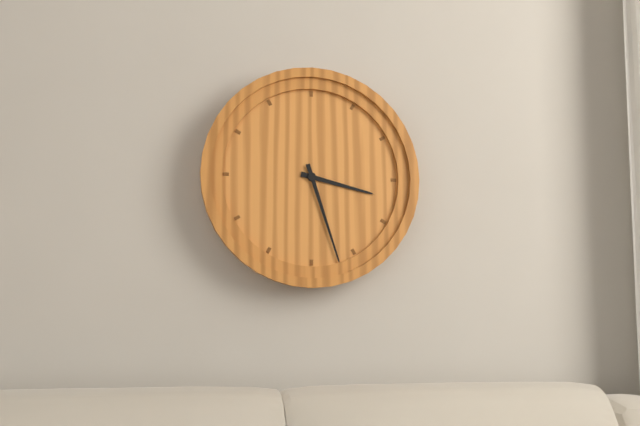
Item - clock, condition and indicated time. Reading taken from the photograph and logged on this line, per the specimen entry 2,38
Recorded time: 3,27
